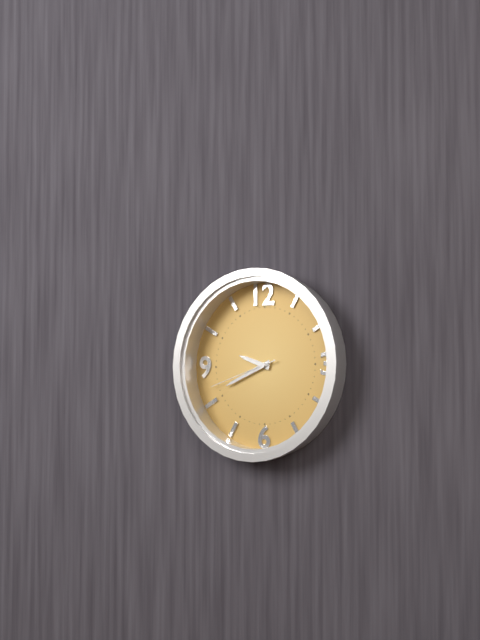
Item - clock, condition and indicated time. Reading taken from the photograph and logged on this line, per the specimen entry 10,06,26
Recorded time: 9,41,42
